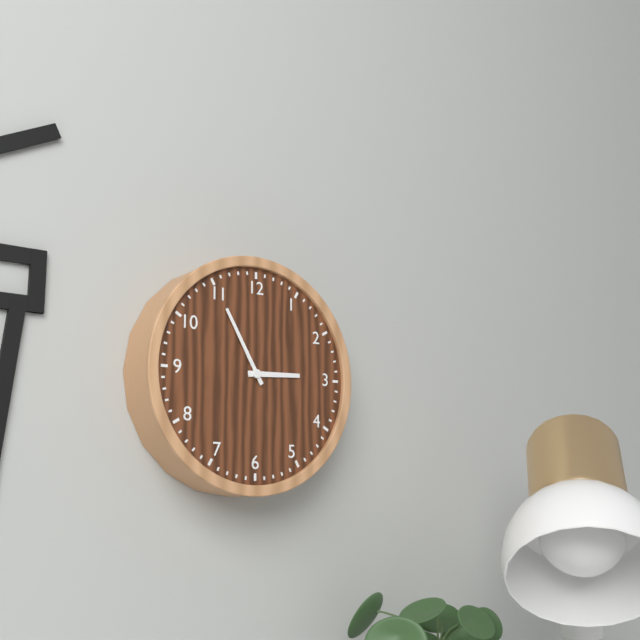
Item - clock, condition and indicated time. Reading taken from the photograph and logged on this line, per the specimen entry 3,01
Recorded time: 2,55
